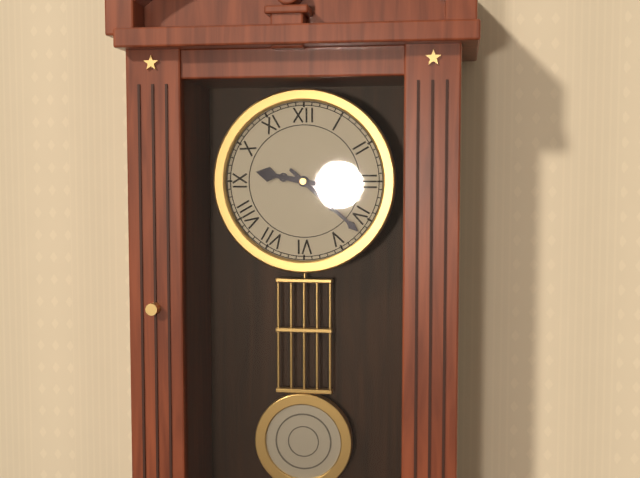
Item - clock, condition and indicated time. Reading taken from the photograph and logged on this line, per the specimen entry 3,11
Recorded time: 9,22
